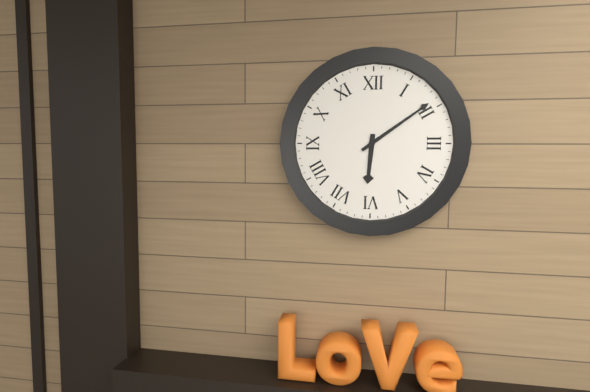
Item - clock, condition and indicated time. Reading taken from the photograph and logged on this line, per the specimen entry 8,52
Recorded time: 6,09
